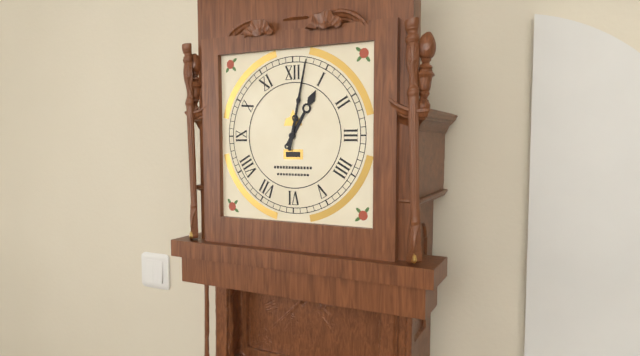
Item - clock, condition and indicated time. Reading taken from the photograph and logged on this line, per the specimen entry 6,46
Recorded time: 1,02
